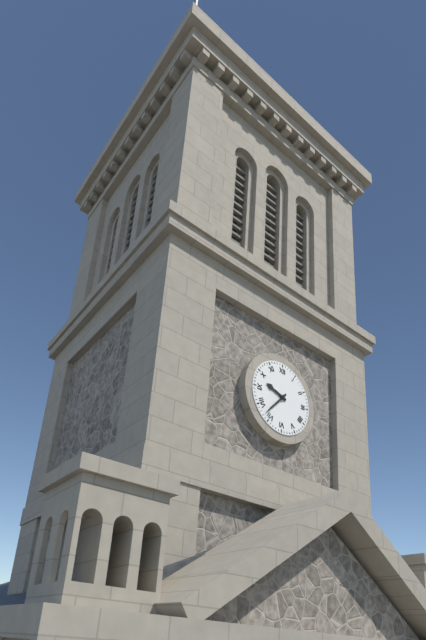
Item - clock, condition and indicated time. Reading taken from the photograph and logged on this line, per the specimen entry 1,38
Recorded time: 9,37
